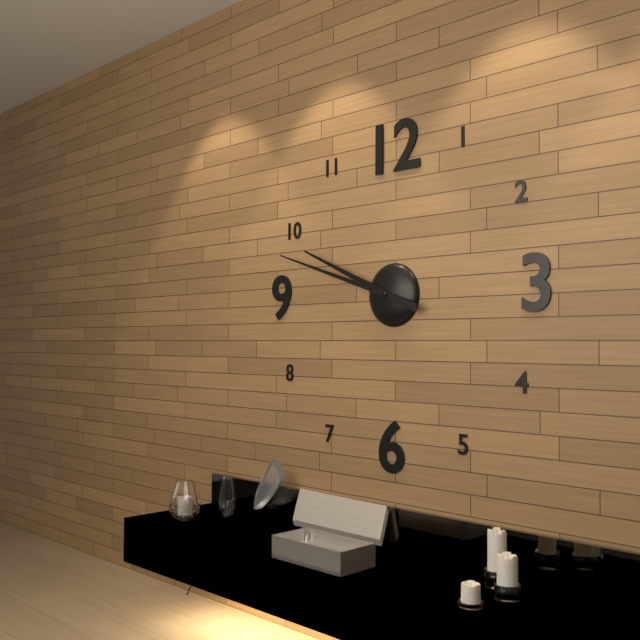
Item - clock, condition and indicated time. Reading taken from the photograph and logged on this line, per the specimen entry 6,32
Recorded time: 9,48
